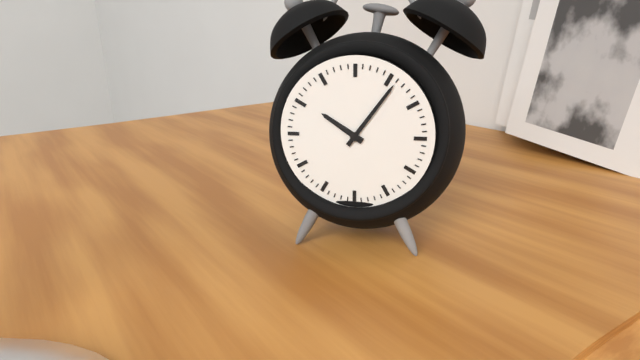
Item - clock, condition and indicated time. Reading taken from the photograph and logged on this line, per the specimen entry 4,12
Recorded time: 10,06
